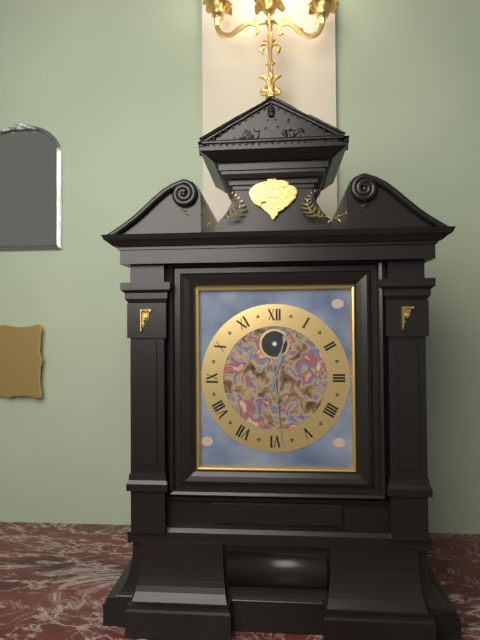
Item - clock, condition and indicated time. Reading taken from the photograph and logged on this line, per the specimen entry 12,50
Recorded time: 12,29
